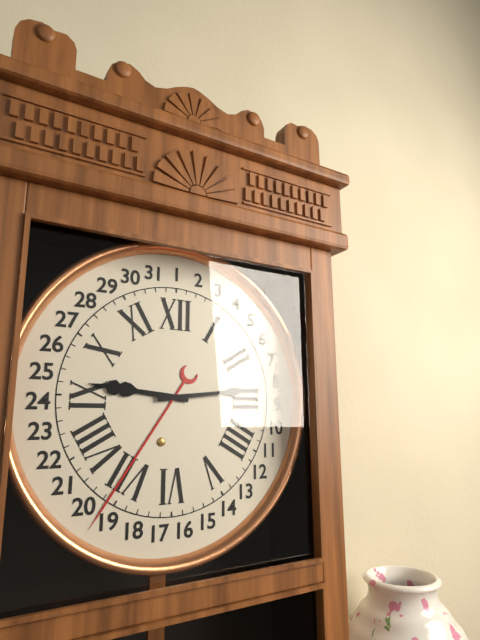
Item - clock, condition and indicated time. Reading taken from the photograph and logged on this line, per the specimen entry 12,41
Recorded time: 9,14
